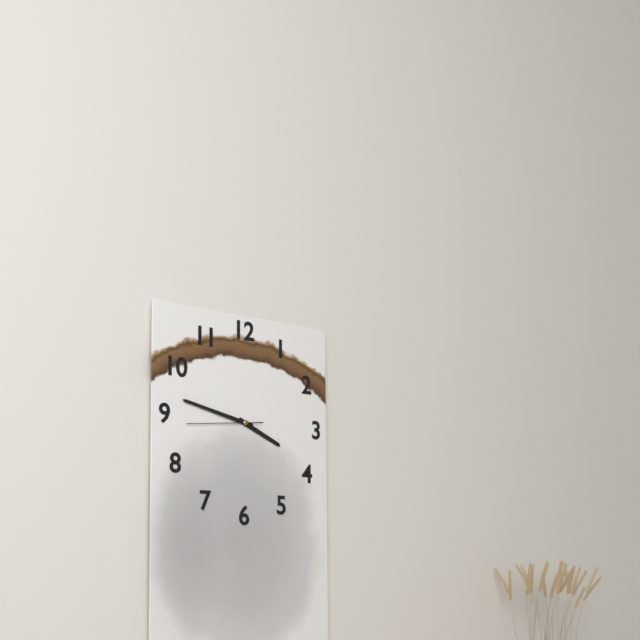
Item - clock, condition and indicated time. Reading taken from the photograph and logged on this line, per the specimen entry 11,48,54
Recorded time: 3,47,44
